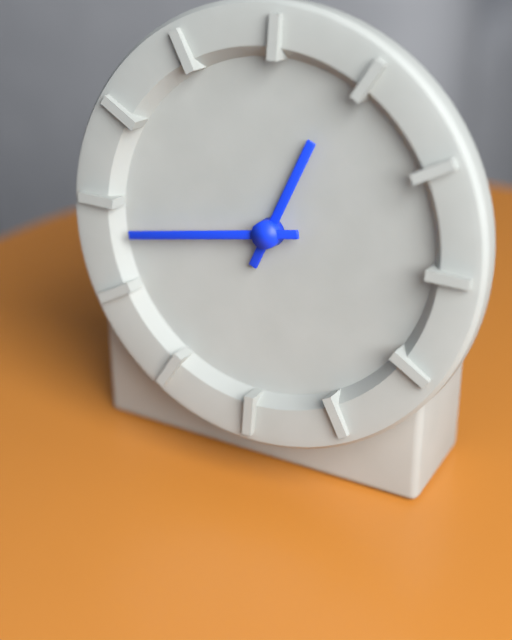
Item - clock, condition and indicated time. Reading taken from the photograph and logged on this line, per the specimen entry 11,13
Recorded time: 12,43
